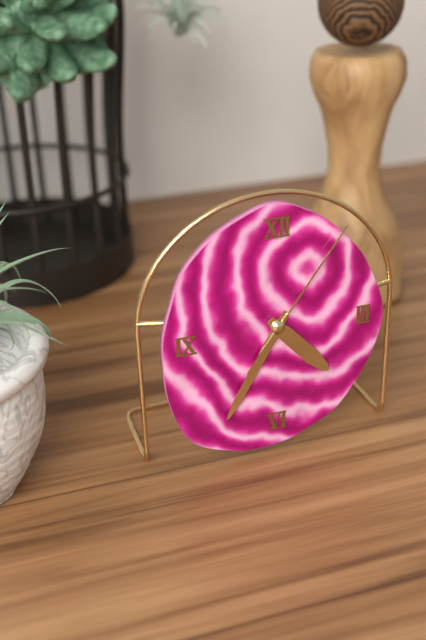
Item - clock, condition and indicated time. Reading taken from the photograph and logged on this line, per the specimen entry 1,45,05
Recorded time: 4,35,06
